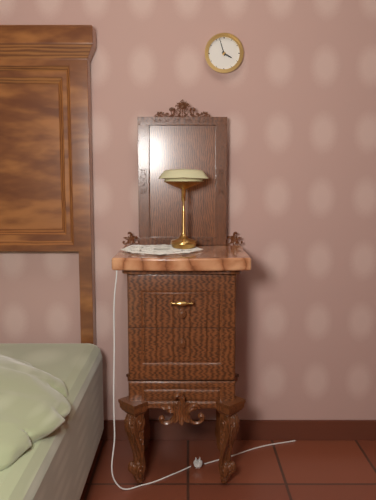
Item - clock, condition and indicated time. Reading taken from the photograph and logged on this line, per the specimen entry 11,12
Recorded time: 3,57
